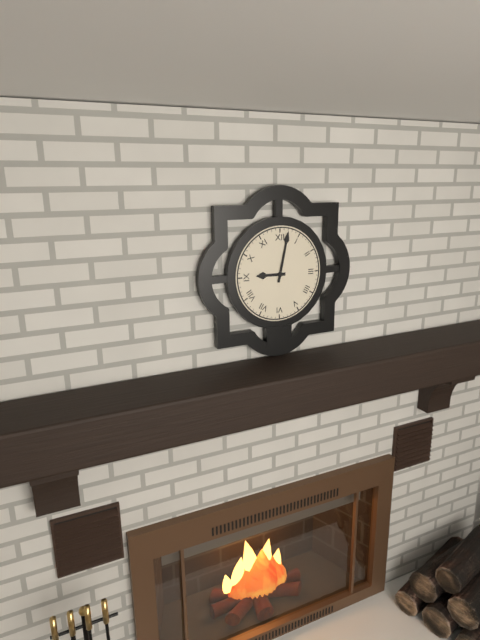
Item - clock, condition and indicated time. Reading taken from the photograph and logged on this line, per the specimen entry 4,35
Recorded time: 9,02
